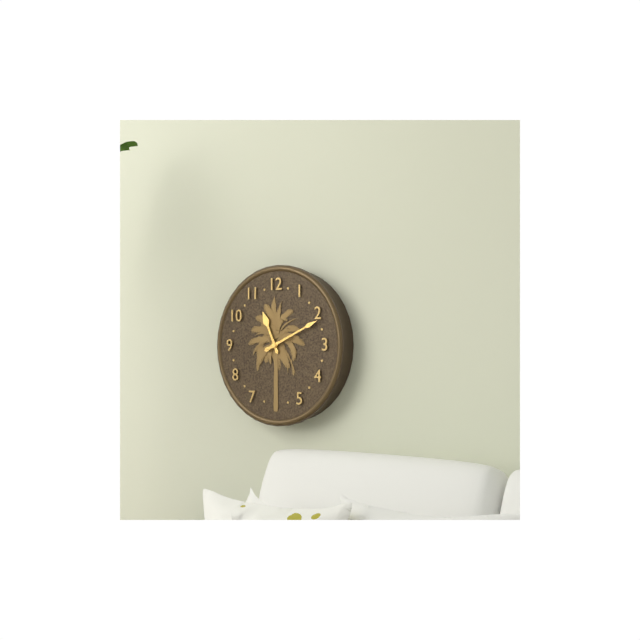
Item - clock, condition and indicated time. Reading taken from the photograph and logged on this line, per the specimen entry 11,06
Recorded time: 11,11
